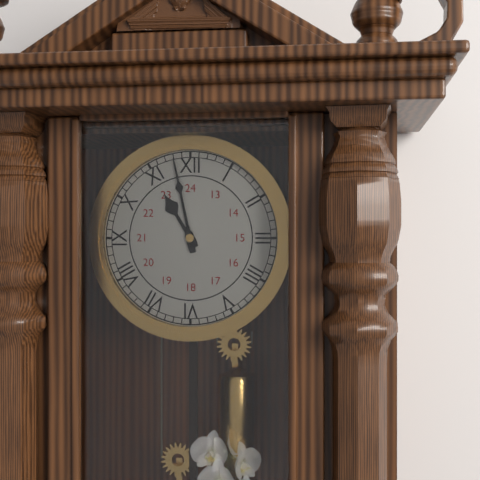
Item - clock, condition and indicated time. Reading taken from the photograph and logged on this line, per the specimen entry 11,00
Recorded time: 10,58
